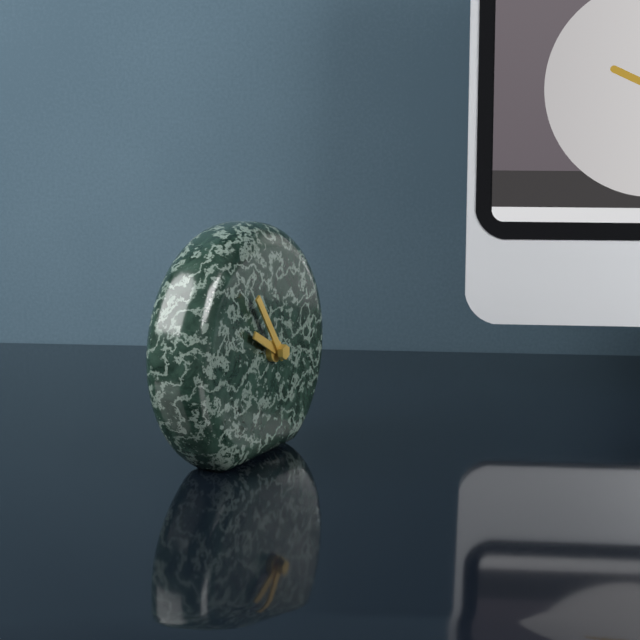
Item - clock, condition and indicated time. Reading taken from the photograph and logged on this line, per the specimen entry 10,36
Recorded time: 9,54
